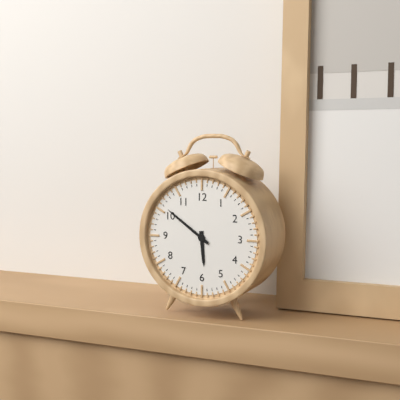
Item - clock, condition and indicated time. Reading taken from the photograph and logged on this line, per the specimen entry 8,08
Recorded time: 5,51
